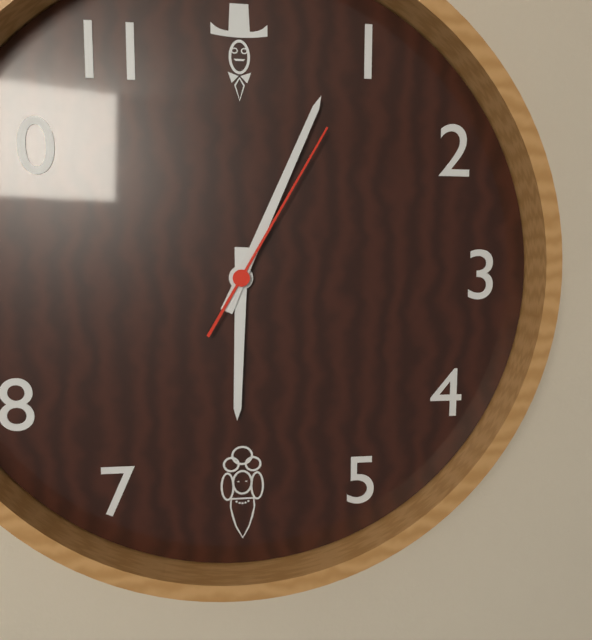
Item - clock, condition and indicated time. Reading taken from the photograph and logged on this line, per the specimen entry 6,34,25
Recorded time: 6,04,05
